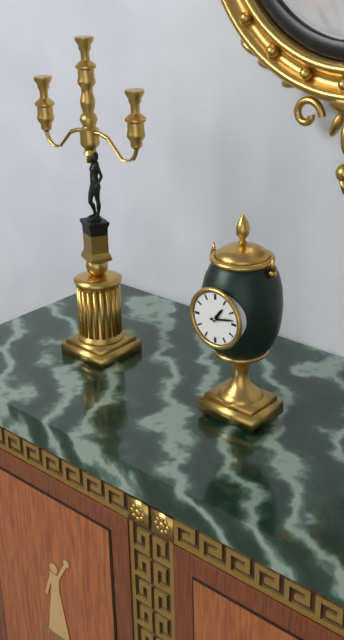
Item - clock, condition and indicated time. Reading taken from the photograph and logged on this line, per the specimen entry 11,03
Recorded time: 1,13
